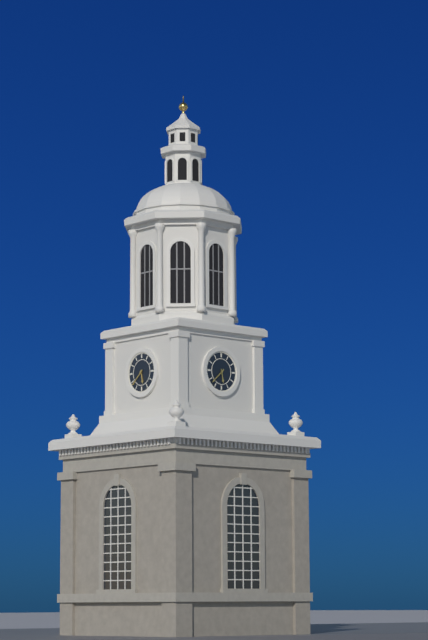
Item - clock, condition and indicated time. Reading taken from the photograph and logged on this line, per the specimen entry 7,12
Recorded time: 5,38
